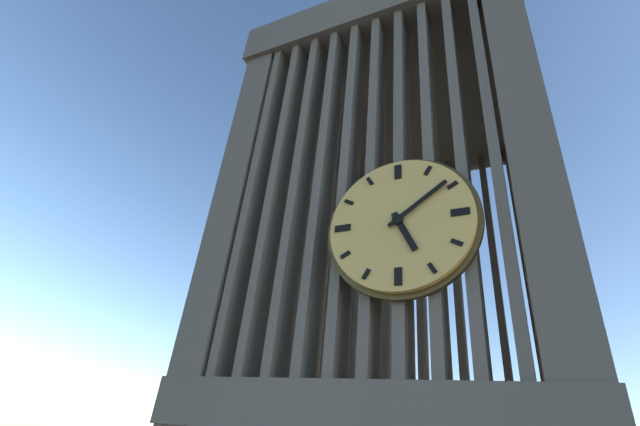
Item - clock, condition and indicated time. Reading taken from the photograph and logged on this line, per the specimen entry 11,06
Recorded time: 5,09
